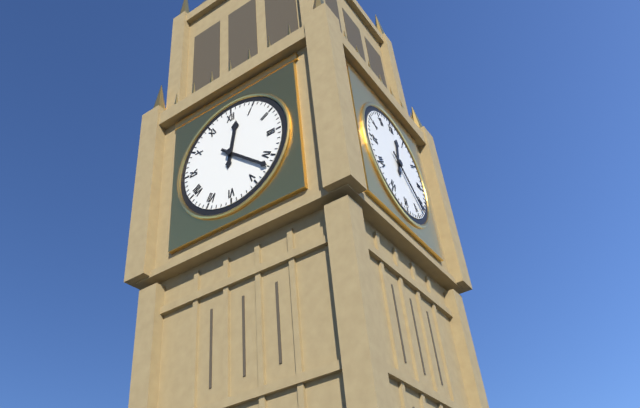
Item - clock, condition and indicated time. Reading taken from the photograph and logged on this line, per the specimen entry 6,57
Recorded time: 12,22
